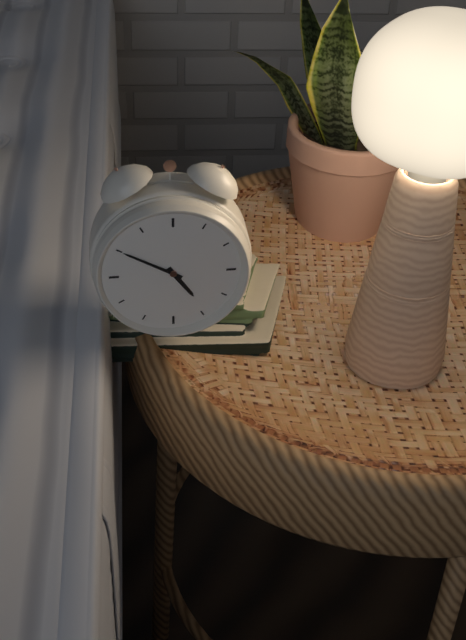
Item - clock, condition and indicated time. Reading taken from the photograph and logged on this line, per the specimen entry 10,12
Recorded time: 4,50
